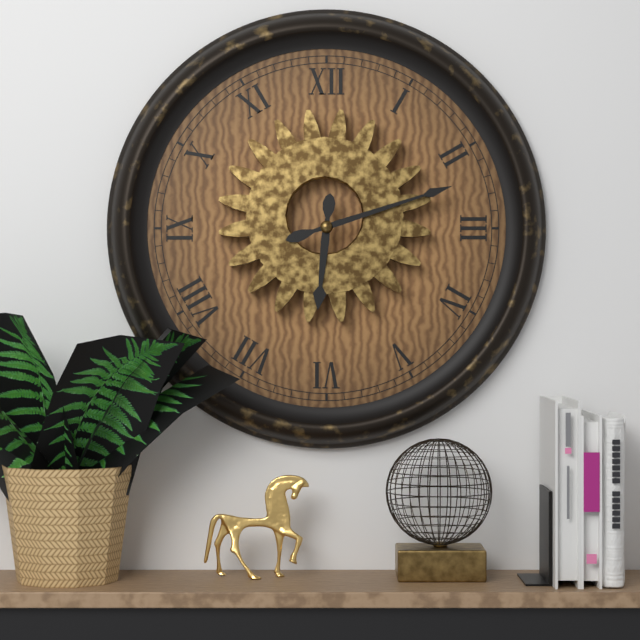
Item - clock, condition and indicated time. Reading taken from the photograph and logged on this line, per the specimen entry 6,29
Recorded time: 6,12
